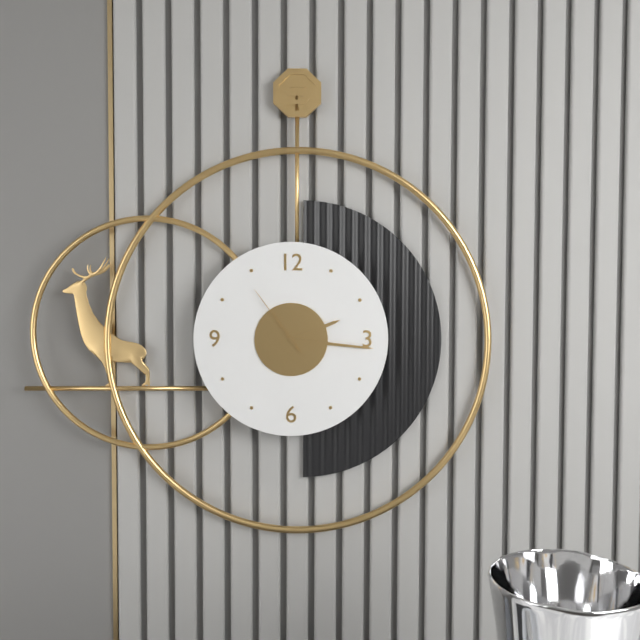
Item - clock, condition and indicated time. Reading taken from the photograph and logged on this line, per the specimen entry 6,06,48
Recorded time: 2,16,54
